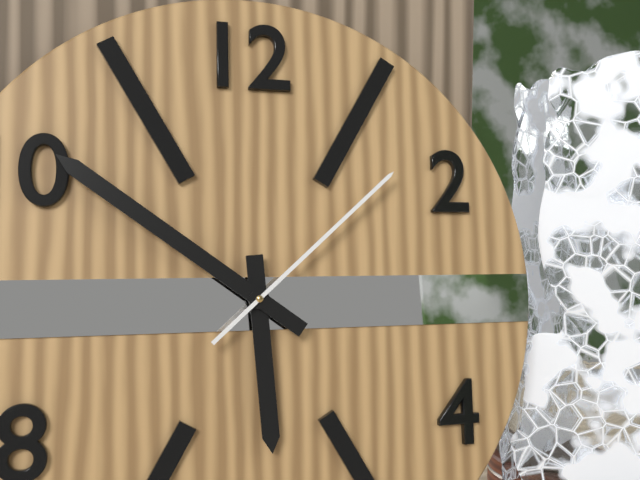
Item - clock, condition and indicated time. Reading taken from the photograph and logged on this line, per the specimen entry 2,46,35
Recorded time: 5,51,08
